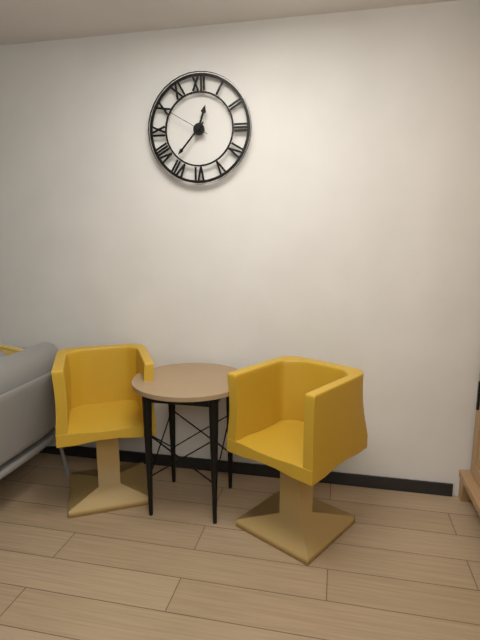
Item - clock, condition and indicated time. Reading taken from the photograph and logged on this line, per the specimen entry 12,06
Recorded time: 12,37
